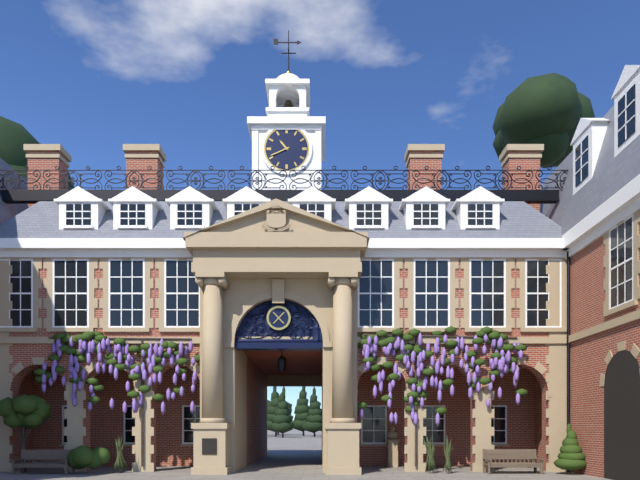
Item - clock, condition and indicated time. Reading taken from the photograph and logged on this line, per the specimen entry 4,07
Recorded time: 10,41
